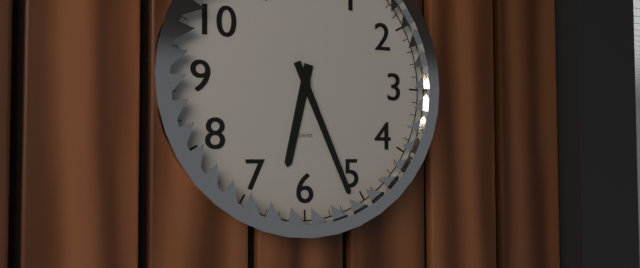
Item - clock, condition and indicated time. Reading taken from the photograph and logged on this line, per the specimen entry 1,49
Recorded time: 6,26
